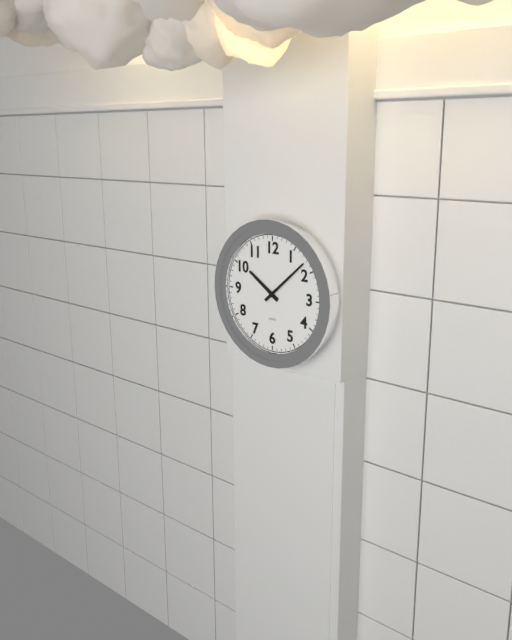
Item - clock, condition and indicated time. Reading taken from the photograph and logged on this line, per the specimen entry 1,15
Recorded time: 10,08
